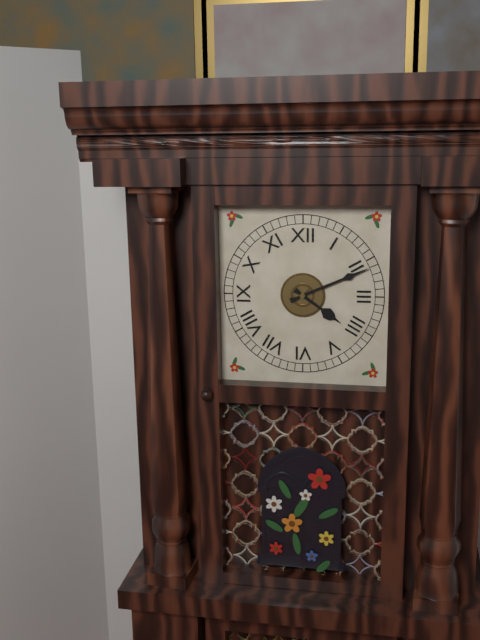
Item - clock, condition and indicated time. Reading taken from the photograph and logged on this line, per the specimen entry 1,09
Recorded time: 4,11
